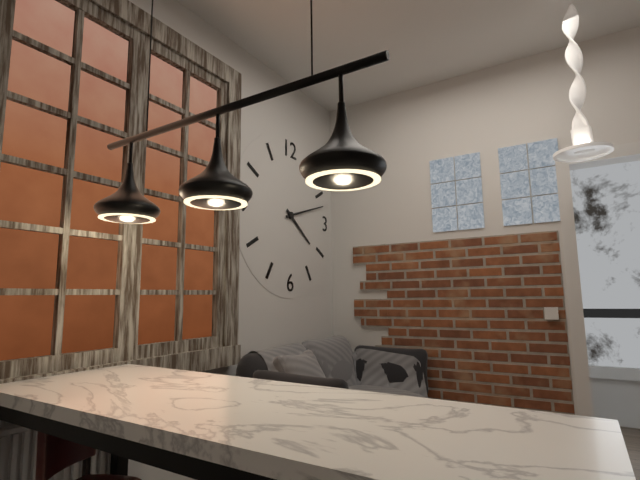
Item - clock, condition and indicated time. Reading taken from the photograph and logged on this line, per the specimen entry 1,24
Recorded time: 4,12
